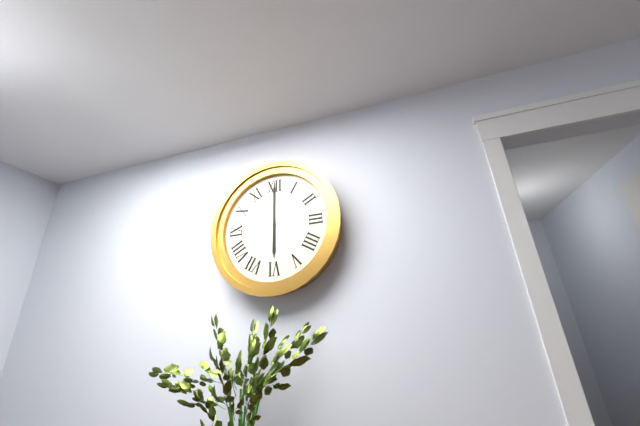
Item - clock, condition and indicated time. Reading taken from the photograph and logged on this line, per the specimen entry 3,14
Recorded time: 6,00
